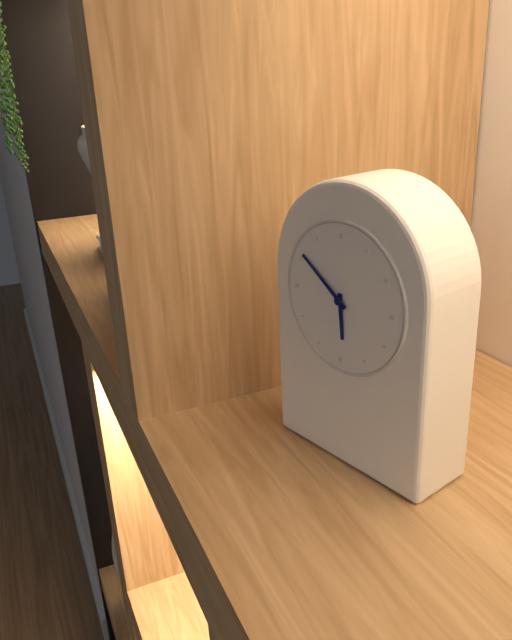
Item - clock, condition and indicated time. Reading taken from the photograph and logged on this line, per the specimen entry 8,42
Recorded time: 5,51
